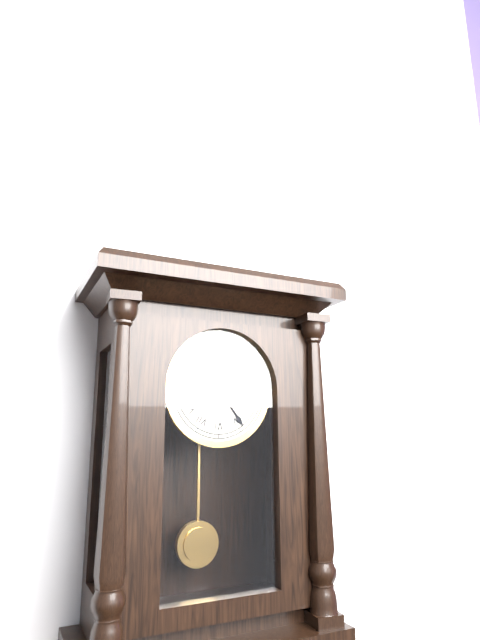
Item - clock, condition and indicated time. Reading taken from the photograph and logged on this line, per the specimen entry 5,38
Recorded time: 1,24
